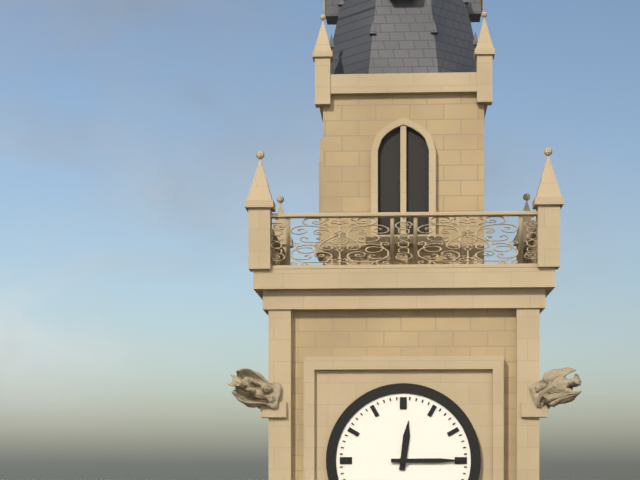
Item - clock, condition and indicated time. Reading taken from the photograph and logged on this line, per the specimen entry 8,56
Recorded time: 12,15
